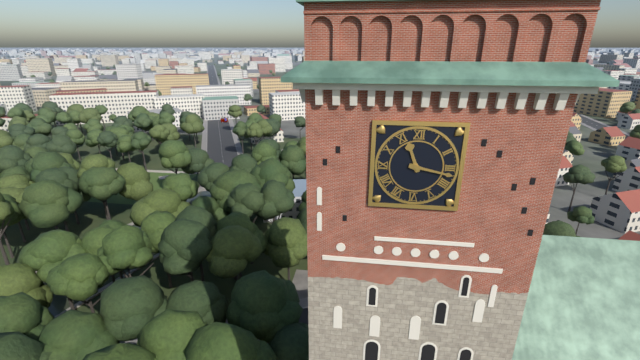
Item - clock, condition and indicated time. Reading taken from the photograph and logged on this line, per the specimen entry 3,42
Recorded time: 11,17
